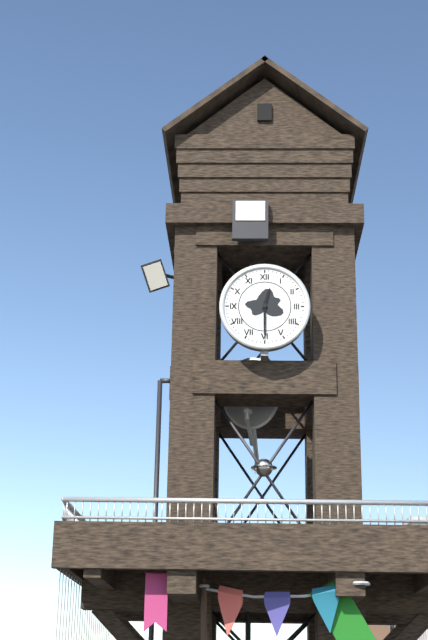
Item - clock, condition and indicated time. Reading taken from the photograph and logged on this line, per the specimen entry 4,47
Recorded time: 12,30
